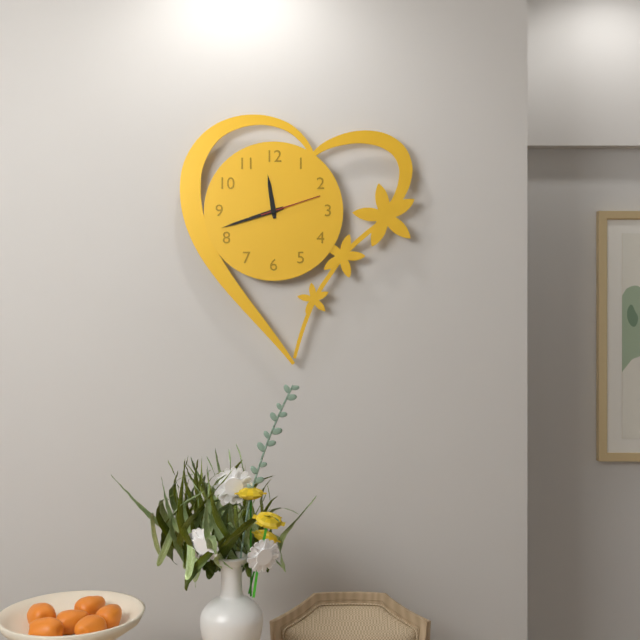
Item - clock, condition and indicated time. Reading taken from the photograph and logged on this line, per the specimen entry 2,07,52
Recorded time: 11,42,12
